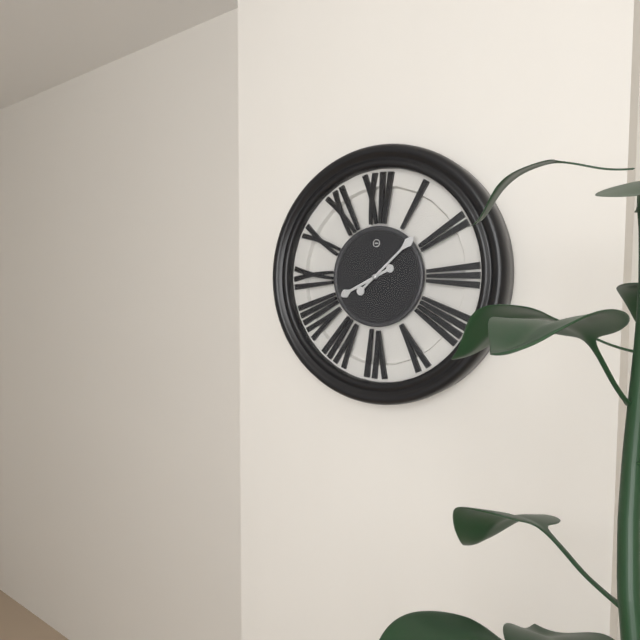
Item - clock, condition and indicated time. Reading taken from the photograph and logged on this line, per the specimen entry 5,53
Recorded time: 8,08
